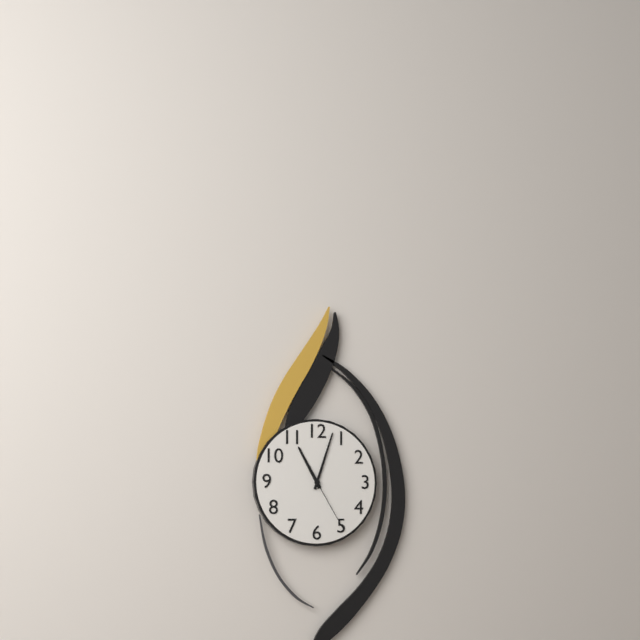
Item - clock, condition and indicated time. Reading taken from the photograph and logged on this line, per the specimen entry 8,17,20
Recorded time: 11,03,25
